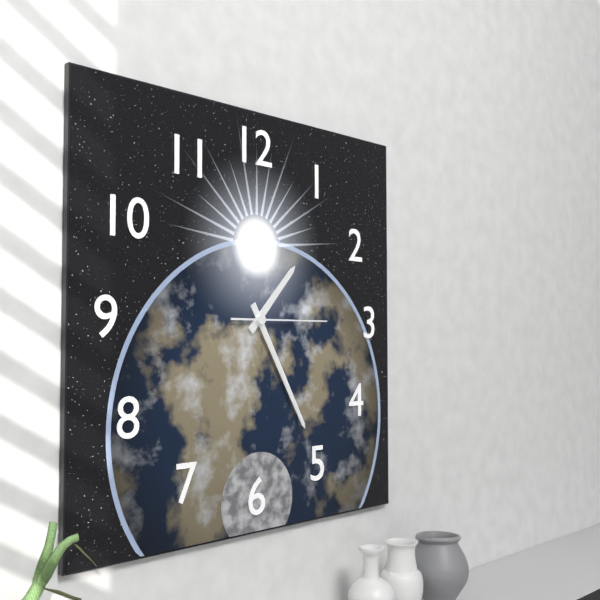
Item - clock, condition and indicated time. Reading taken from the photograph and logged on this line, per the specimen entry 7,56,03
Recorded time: 1,25,15
